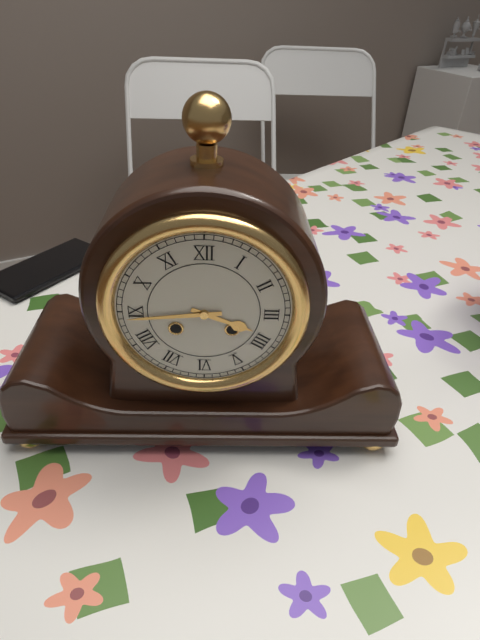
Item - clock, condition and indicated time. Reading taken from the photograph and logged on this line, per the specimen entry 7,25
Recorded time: 3,44
